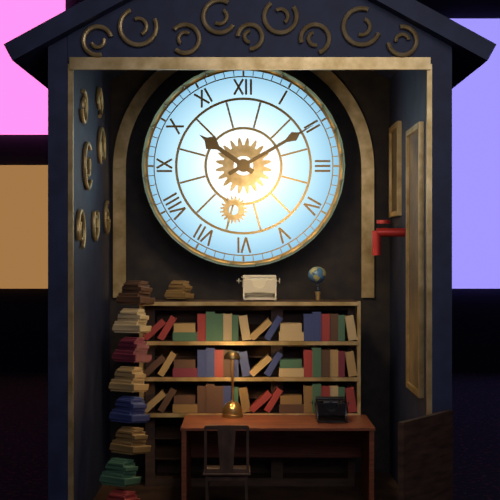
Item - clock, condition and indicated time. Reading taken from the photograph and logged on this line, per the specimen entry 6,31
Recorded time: 10,10
